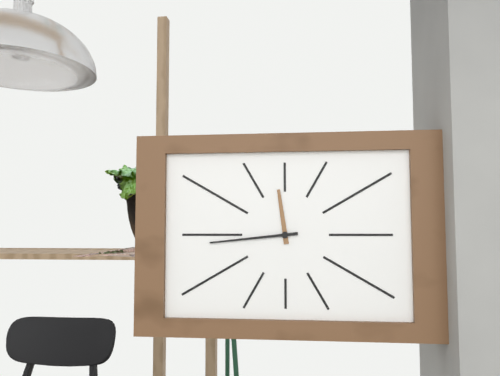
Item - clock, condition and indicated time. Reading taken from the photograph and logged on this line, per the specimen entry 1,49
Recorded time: 11,44
